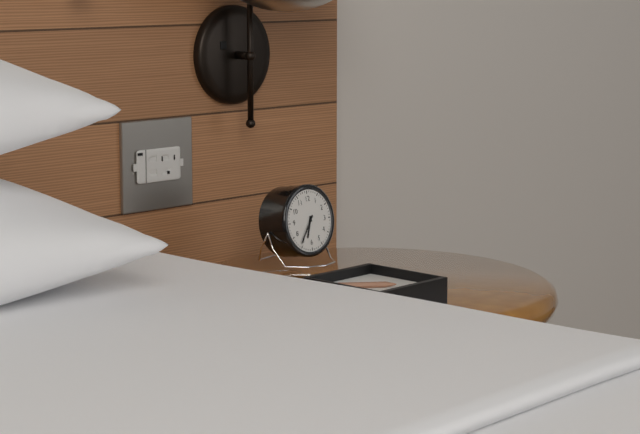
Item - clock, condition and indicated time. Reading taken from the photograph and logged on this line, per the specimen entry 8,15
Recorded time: 6,36
